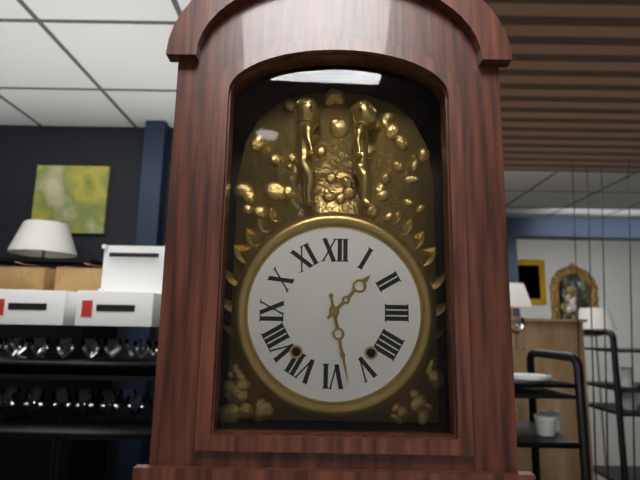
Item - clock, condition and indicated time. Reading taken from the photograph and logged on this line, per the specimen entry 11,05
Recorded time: 1,28
